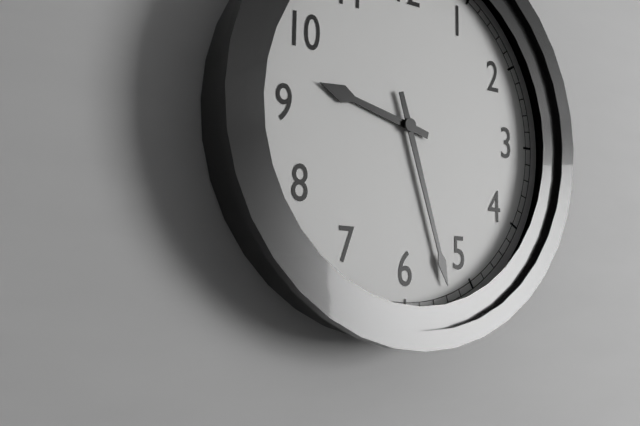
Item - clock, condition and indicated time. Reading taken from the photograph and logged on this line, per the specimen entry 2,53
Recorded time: 9,27
